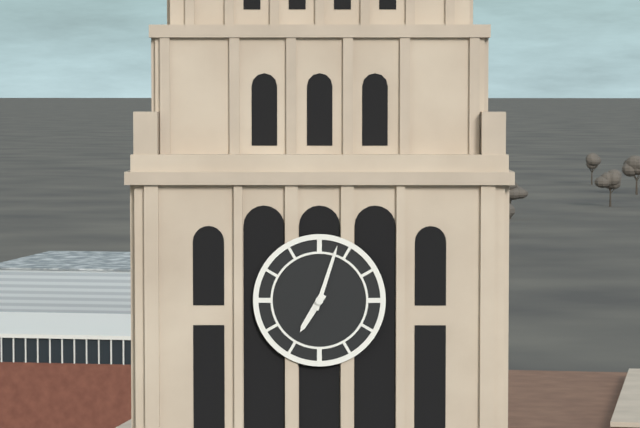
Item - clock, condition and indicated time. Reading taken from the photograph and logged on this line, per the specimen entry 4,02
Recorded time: 7,03
